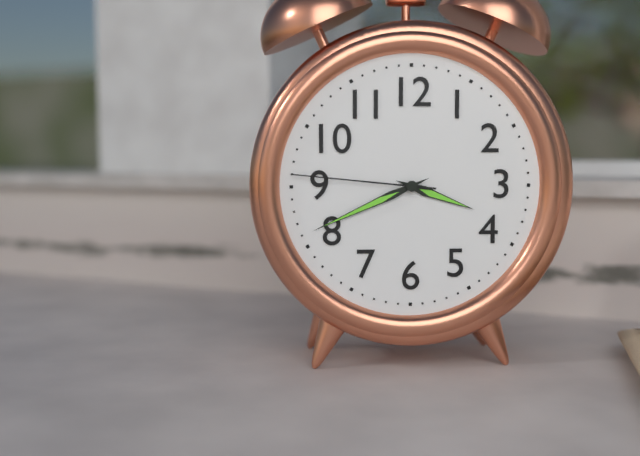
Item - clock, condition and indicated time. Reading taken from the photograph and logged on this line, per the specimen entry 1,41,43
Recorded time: 3,41,46
